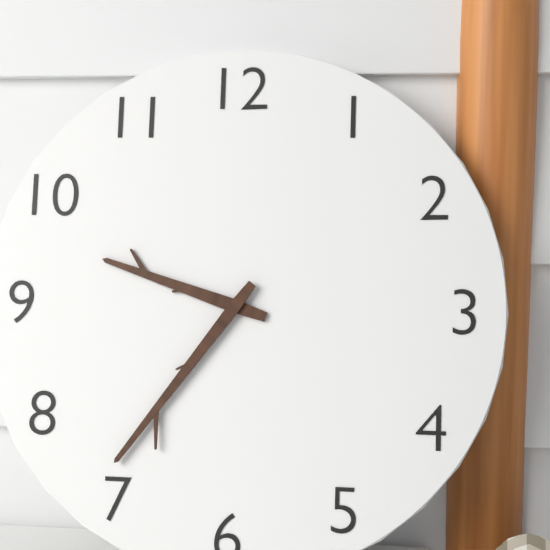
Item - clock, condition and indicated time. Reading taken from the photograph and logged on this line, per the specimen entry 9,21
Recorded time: 9,36
